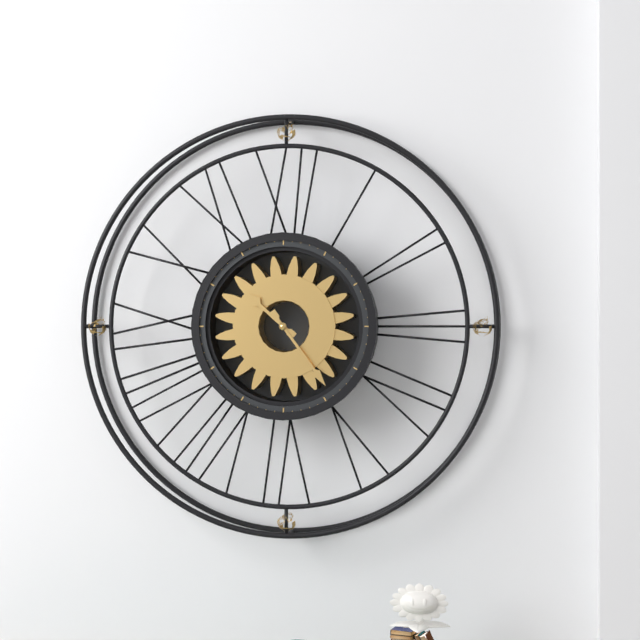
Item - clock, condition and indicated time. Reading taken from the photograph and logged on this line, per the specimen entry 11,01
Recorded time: 10,24
